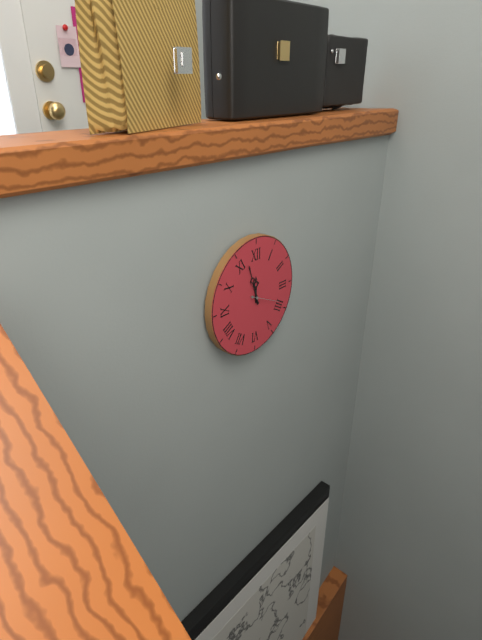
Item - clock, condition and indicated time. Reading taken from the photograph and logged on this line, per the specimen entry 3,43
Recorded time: 11,57
